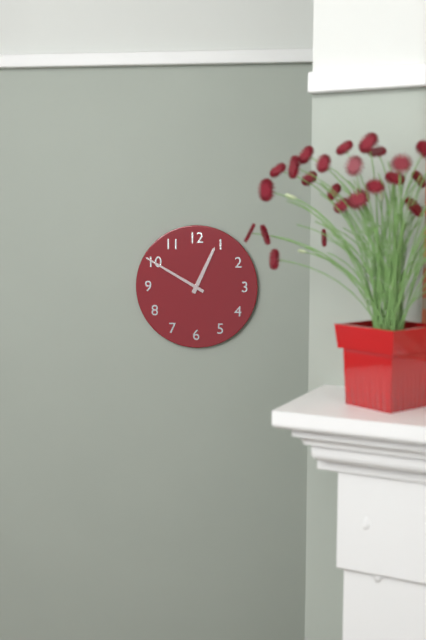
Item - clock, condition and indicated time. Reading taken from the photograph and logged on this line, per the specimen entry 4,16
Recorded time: 12,50
